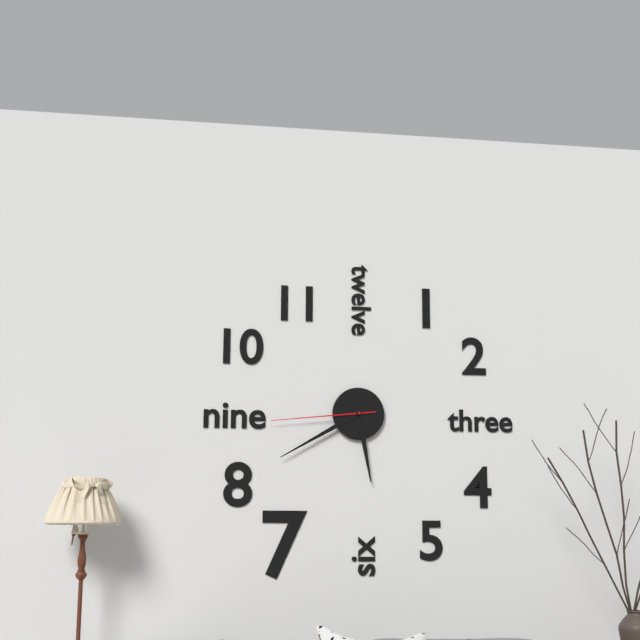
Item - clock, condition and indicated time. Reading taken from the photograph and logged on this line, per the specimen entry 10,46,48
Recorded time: 5,40,44
